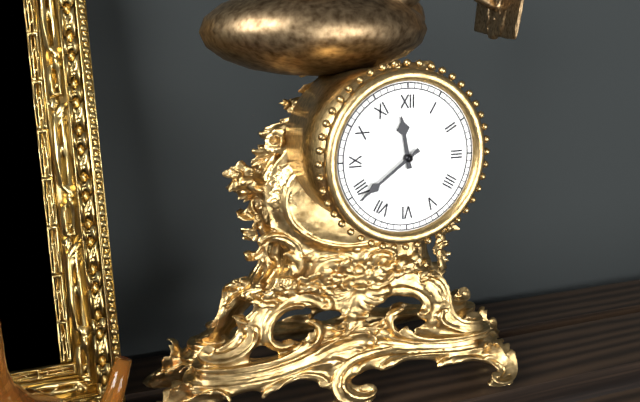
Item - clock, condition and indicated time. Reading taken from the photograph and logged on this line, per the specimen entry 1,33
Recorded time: 11,39
